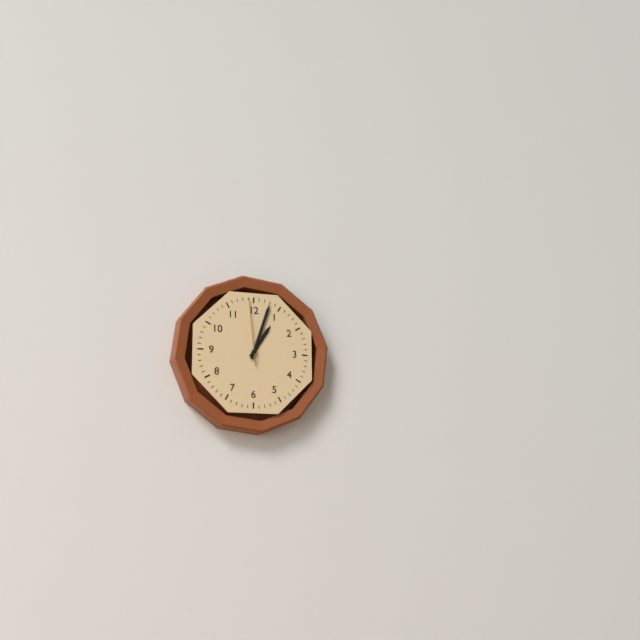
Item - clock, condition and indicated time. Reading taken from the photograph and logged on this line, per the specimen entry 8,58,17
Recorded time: 1,03,59
